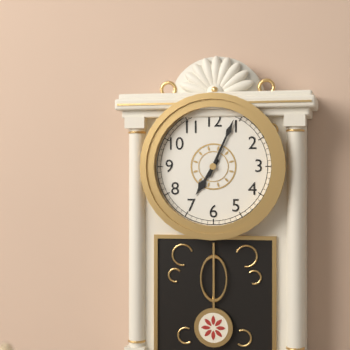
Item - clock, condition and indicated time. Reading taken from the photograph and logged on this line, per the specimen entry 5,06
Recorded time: 7,04
